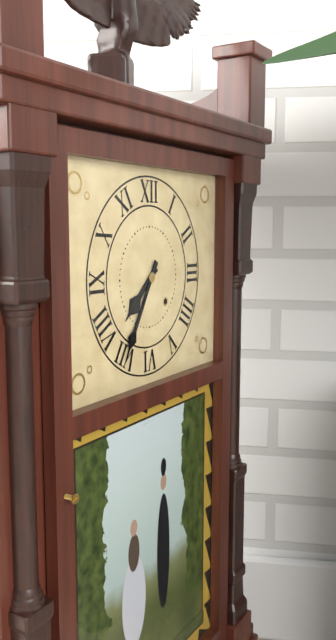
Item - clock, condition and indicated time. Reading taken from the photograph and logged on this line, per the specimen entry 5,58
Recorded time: 7,35
